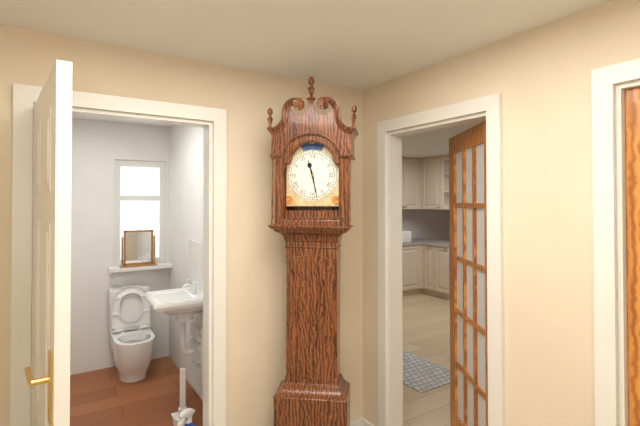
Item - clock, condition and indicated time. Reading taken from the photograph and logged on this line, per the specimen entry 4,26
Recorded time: 11,28
